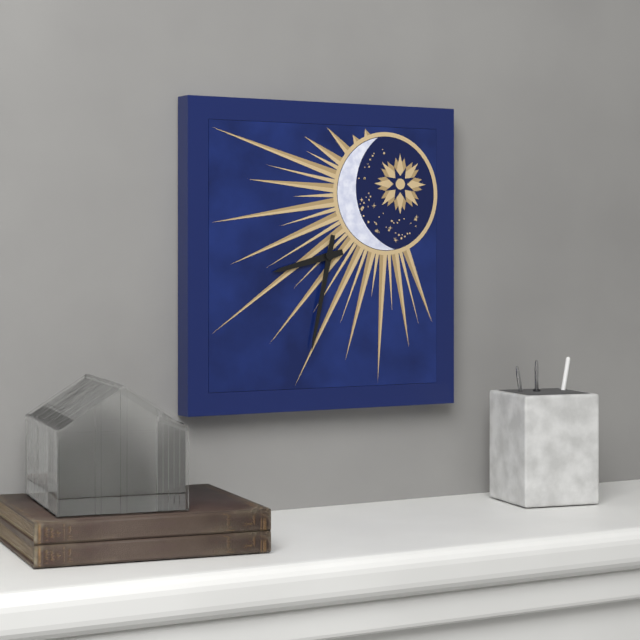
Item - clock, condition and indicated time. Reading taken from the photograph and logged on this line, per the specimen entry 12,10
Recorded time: 8,32
